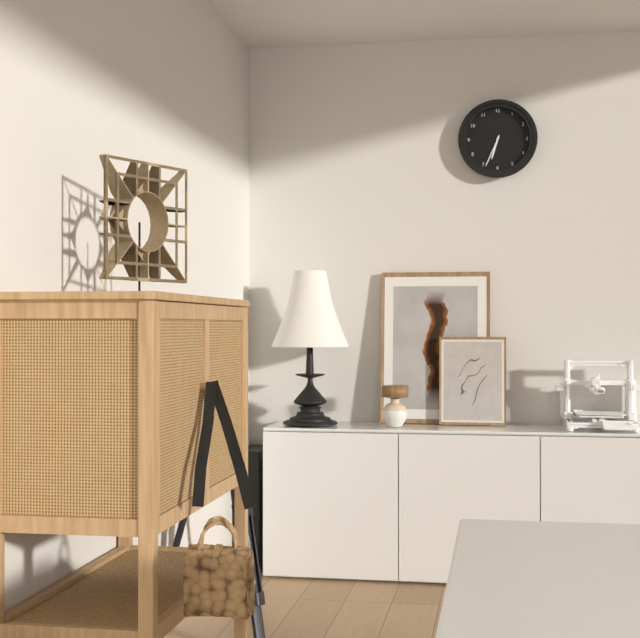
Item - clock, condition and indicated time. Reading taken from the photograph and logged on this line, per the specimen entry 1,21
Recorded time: 6,34
